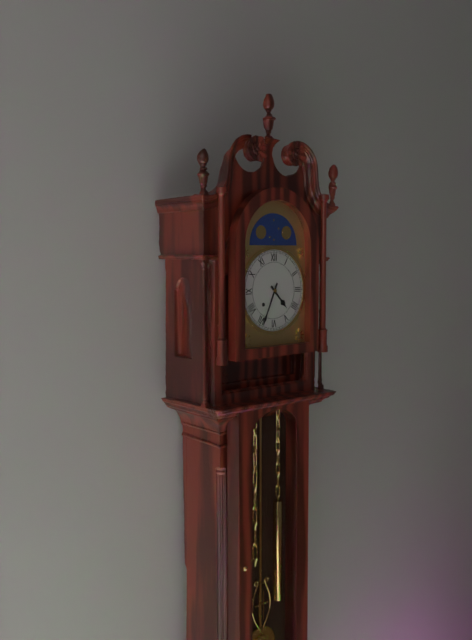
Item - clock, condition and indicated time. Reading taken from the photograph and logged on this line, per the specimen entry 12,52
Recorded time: 4,34
